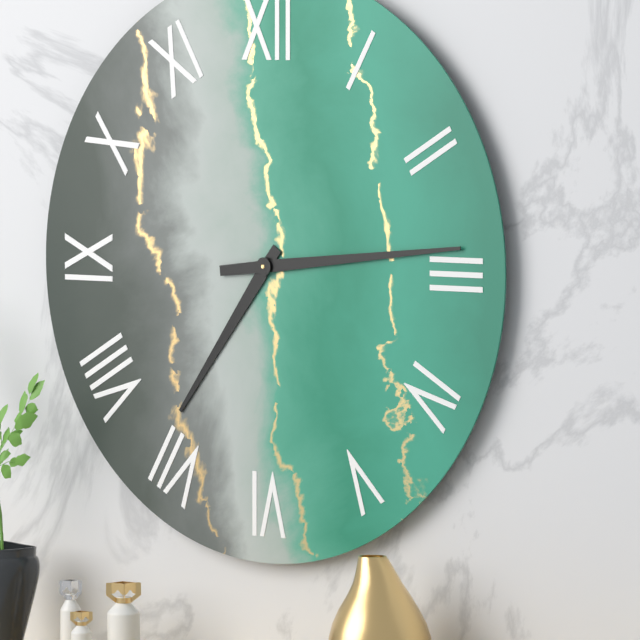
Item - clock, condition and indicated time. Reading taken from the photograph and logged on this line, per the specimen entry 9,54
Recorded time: 7,14
